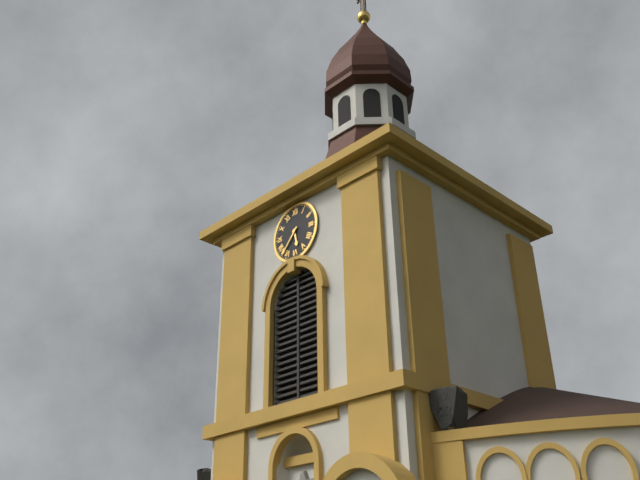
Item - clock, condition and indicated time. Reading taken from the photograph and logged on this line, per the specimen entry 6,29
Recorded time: 5,37
